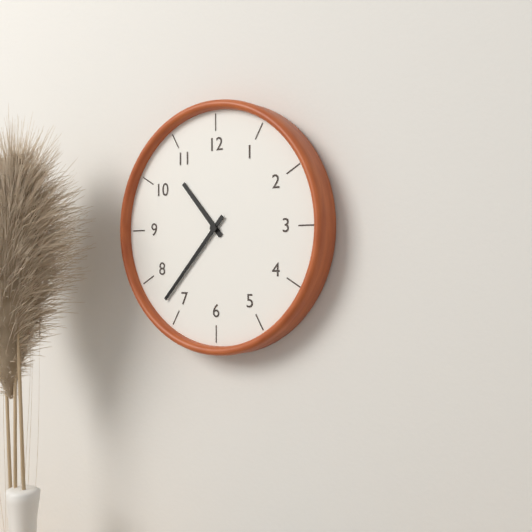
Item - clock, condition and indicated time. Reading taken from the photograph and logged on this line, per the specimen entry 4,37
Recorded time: 10,37
